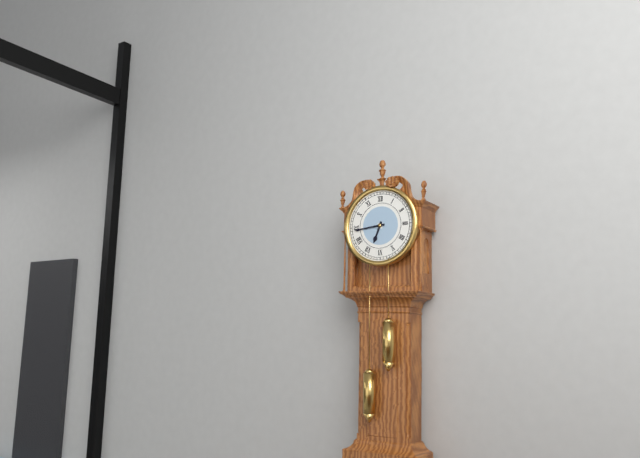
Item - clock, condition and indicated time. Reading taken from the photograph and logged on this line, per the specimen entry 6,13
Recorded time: 6,44
